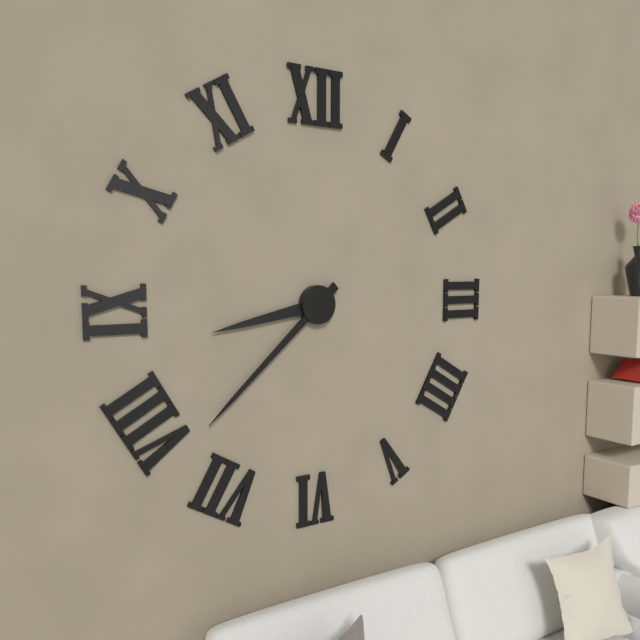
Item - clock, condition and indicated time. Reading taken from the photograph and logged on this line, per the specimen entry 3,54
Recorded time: 8,38
